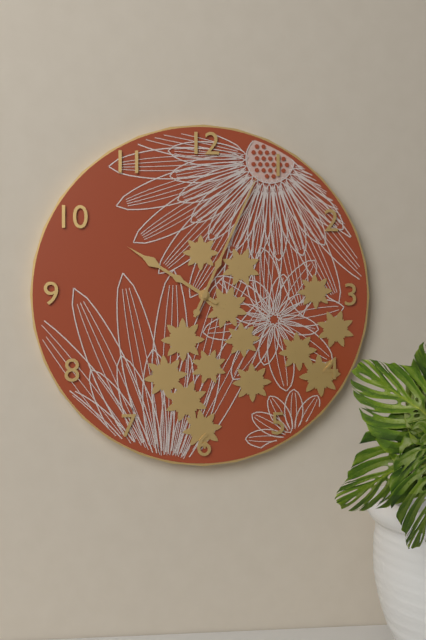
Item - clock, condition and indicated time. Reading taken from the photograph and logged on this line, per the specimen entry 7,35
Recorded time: 10,04
